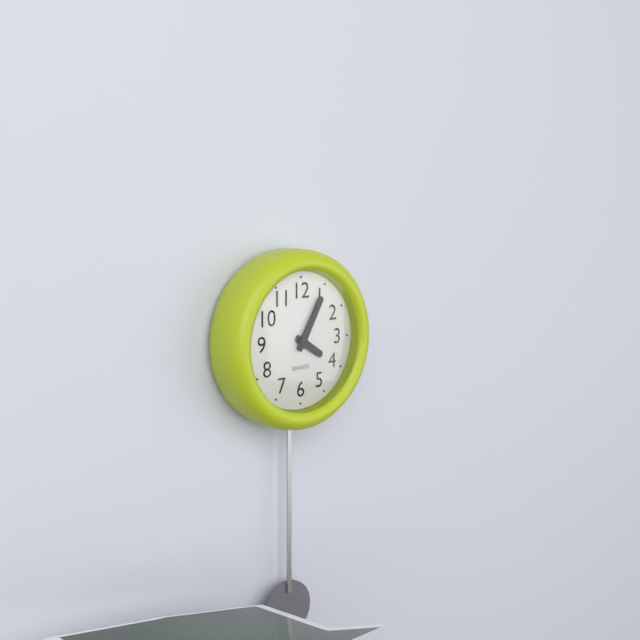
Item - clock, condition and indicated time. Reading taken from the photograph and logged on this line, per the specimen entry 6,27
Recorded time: 4,05
